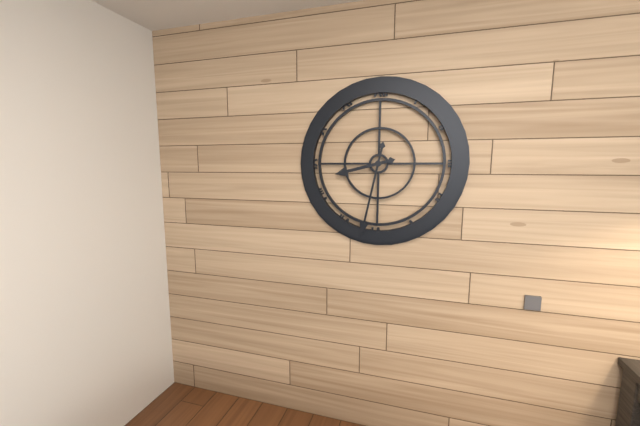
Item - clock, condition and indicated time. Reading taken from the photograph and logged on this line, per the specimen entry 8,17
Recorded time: 8,32
